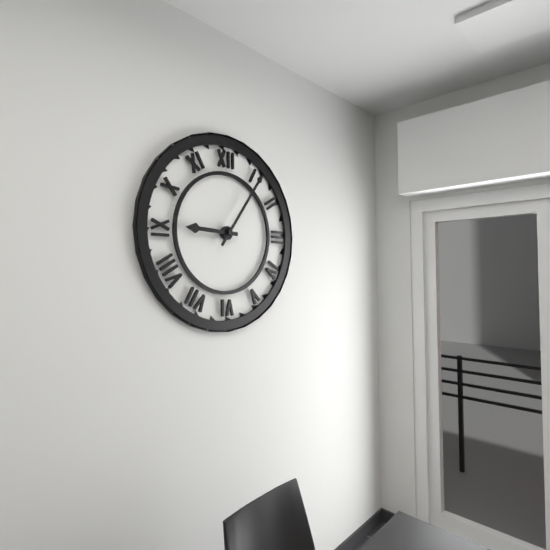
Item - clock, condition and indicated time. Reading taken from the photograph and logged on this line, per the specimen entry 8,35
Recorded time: 9,06
